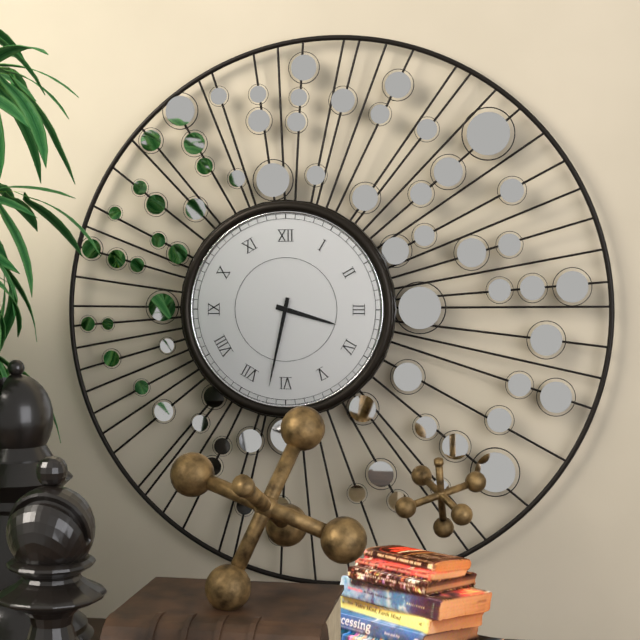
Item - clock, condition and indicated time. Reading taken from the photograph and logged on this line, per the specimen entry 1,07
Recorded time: 3,32
